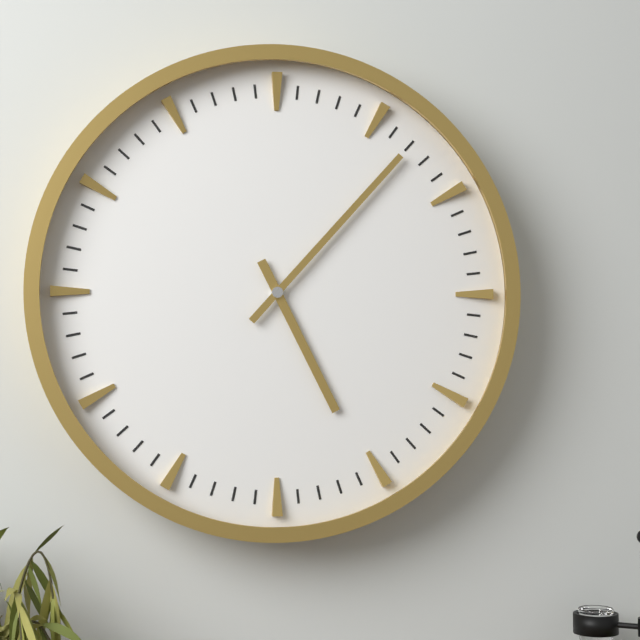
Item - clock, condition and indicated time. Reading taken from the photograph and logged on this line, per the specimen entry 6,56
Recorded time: 5,07
